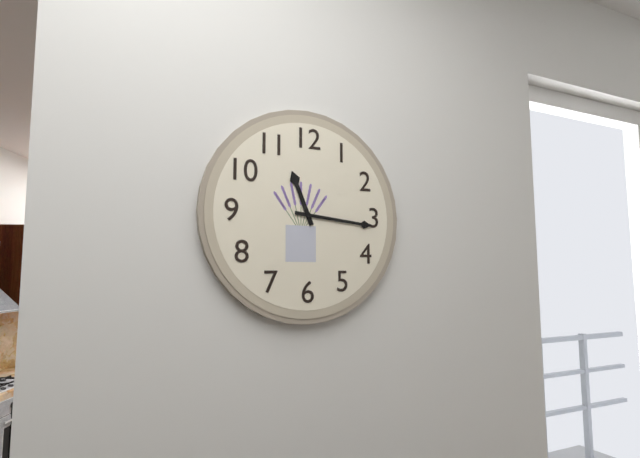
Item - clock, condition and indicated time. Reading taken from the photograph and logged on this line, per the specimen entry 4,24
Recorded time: 11,16
